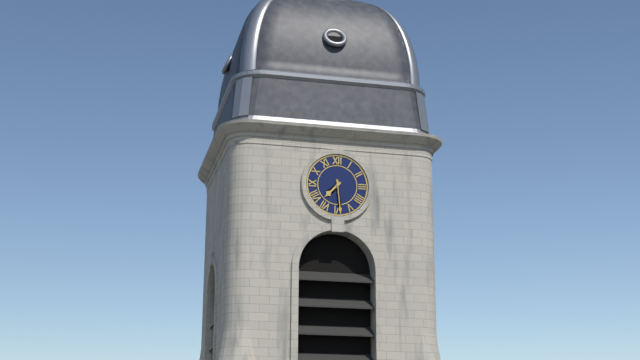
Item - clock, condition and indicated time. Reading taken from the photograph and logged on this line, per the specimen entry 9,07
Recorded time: 7,29
